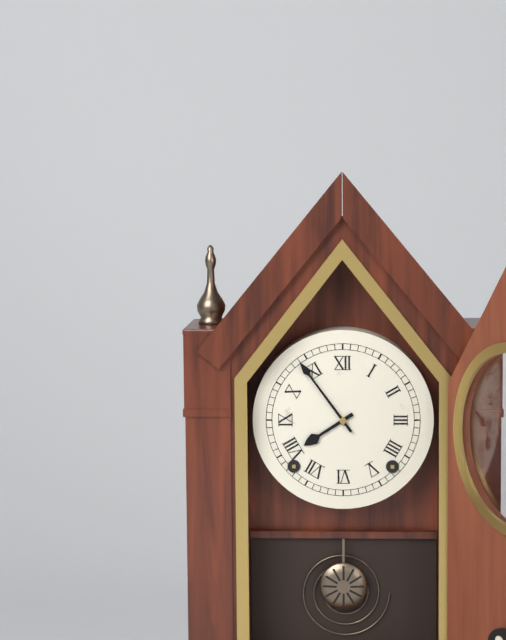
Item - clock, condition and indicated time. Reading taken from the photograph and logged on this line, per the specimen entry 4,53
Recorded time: 7,54
